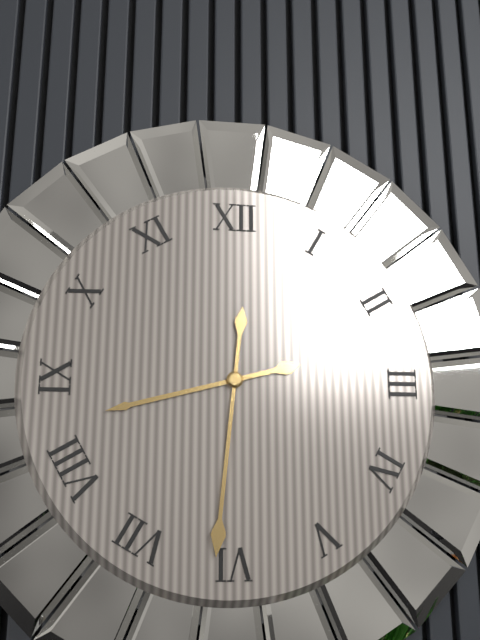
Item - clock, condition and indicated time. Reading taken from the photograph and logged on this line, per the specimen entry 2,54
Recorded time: 8,31
